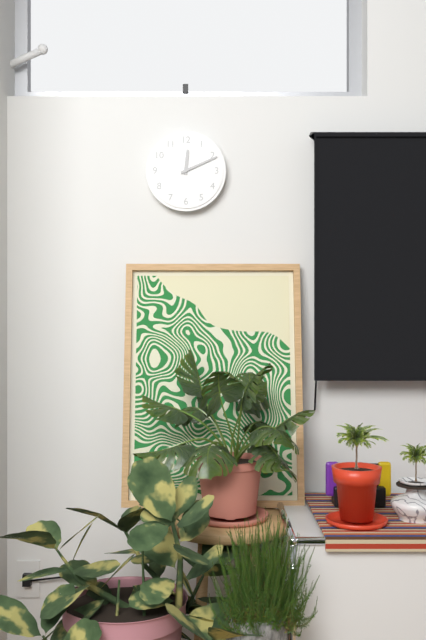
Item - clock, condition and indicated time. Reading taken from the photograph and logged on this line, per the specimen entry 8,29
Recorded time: 12,11
